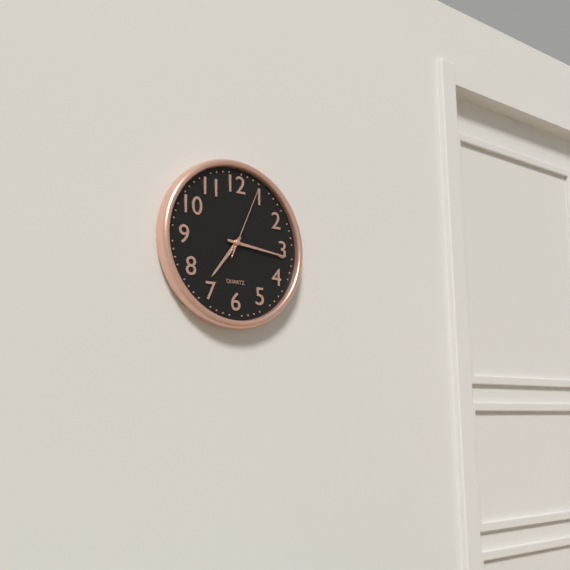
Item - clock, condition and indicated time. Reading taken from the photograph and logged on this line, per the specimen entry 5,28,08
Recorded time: 7,16,04
